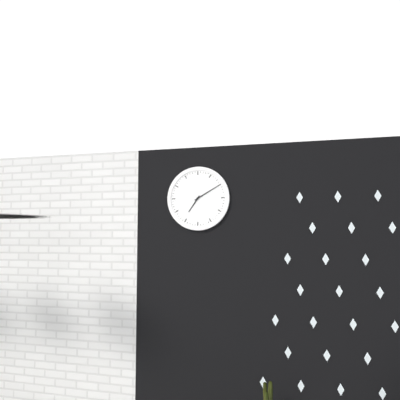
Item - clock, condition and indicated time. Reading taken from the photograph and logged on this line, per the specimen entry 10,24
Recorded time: 7,10
